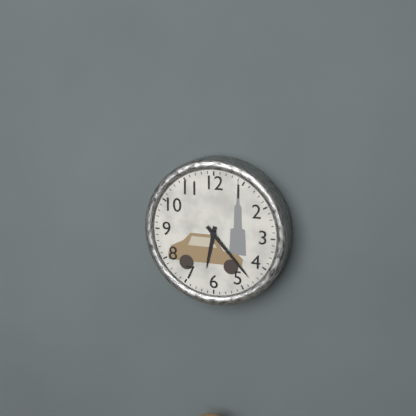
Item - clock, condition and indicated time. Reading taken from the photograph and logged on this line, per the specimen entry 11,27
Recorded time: 6,23
